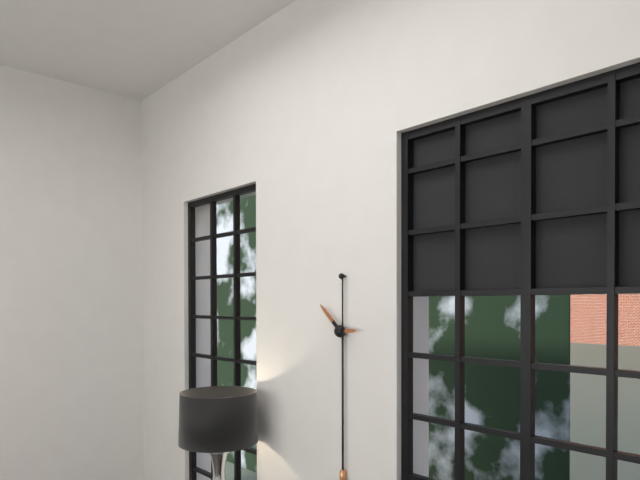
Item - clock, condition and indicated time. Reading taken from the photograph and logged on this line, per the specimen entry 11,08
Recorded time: 2,52
